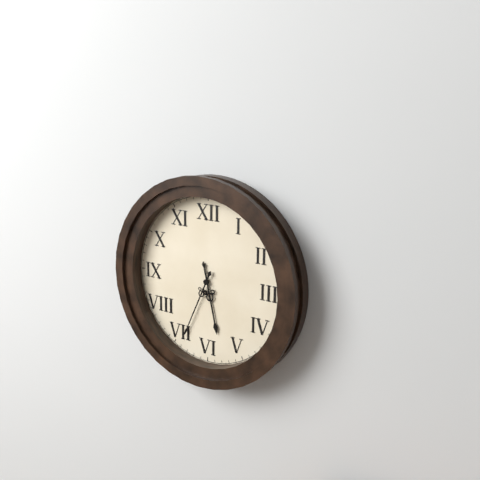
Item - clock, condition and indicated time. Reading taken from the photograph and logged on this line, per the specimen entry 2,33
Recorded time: 5,34
